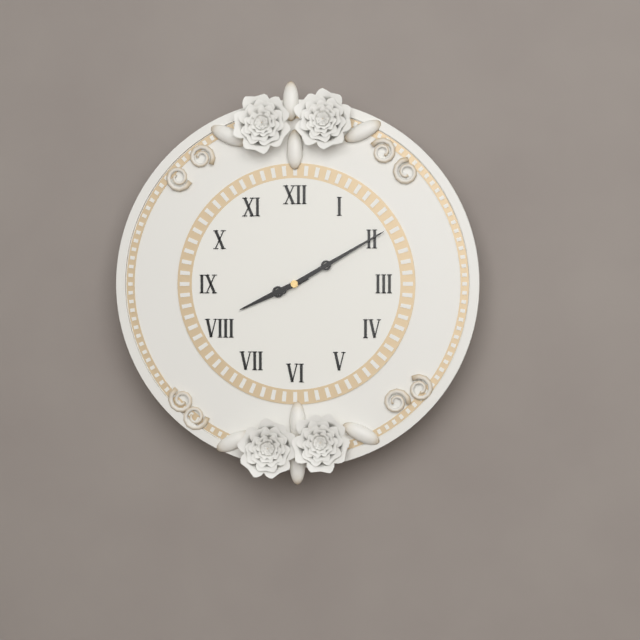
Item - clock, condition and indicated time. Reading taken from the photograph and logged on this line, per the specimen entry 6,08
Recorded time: 8,10
